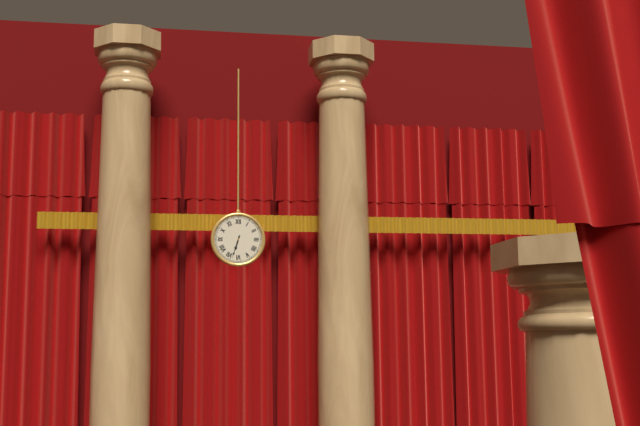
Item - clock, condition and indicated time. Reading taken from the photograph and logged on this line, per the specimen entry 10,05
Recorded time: 6,33
